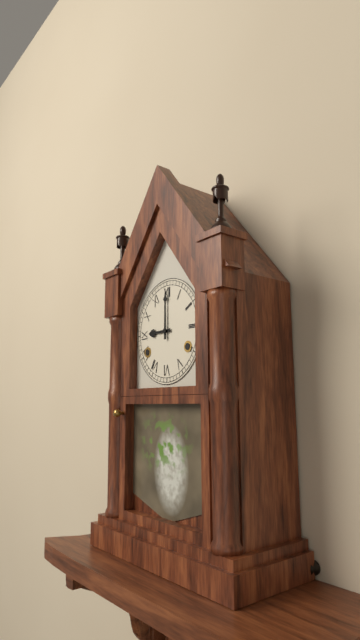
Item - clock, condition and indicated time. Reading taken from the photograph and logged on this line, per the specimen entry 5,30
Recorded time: 9,00
